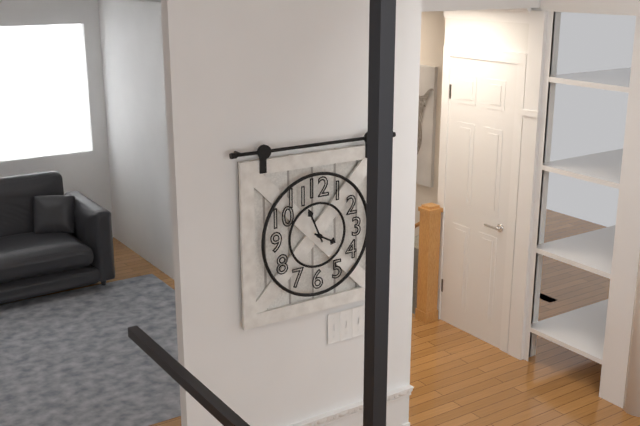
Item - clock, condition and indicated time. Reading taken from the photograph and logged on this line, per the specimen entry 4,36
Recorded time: 3,56
